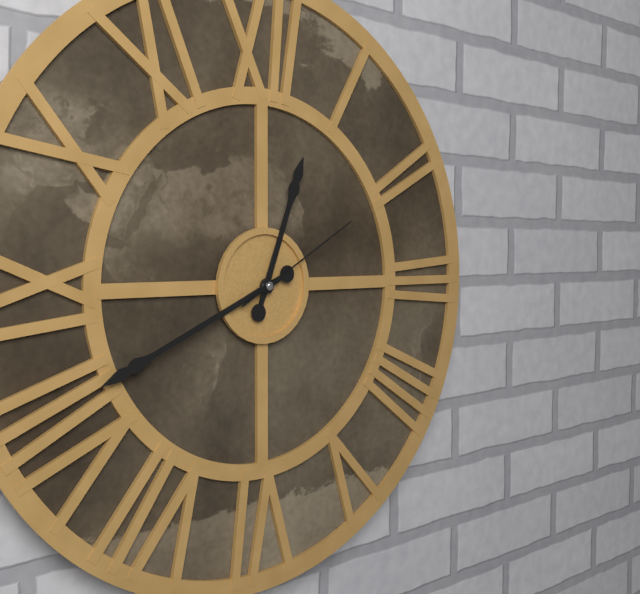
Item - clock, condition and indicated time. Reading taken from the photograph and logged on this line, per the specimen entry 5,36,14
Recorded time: 12,41,10
